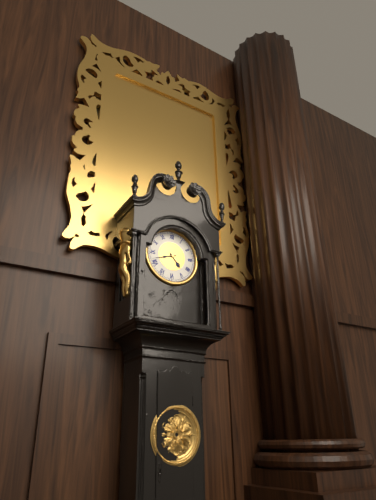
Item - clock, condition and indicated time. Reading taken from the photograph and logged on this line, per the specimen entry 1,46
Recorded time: 4,42
